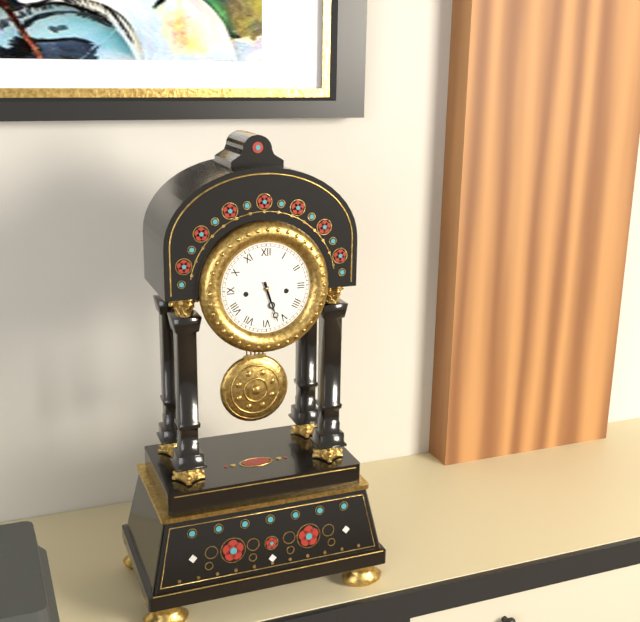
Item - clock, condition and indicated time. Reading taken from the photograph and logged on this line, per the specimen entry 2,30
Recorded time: 5,27
